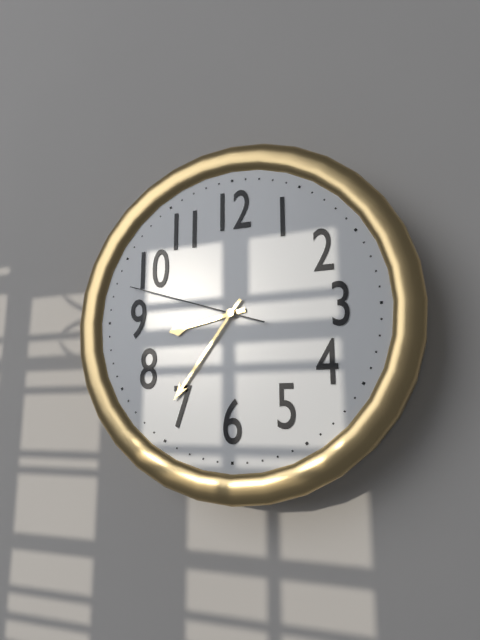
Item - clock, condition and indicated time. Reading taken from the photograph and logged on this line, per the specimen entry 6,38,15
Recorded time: 8,36,48
